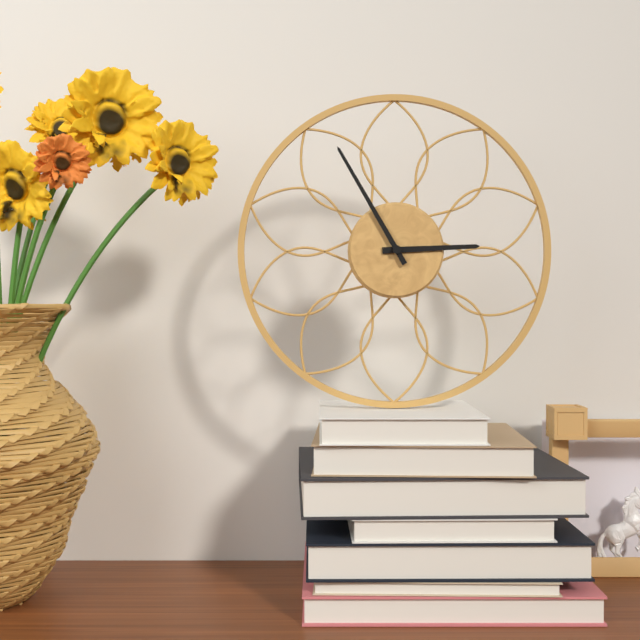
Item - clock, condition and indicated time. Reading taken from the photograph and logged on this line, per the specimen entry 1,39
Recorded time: 2,55
